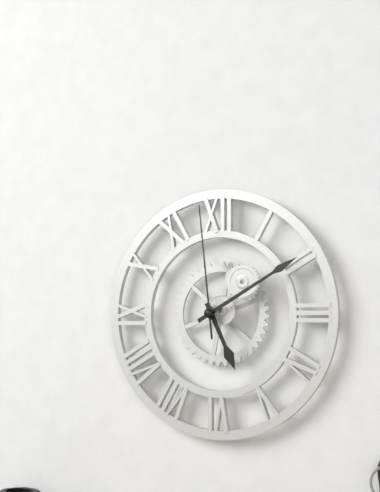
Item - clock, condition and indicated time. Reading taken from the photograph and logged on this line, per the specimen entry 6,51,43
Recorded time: 5,10,59
